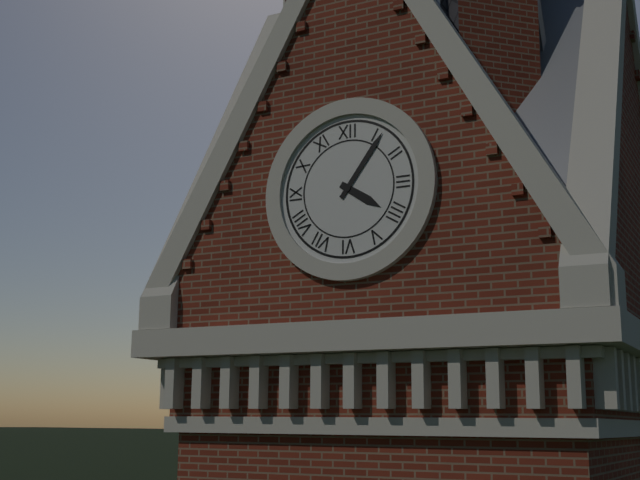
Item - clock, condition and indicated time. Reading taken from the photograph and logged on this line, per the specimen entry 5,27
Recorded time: 4,06
